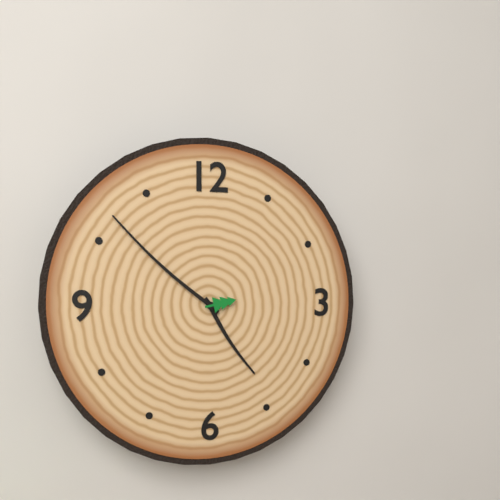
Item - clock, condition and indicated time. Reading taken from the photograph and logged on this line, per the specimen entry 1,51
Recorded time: 4,52
